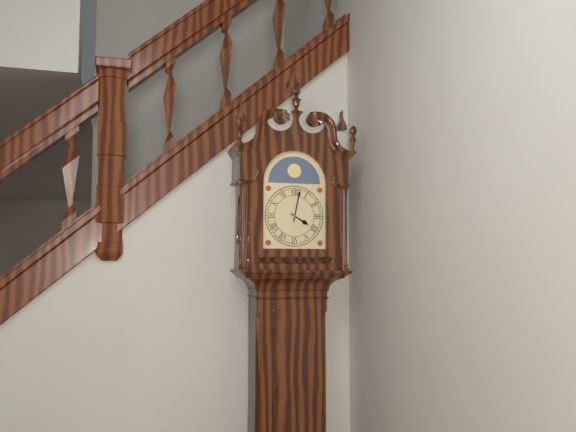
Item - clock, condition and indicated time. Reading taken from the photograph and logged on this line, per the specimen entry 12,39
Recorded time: 4,02
